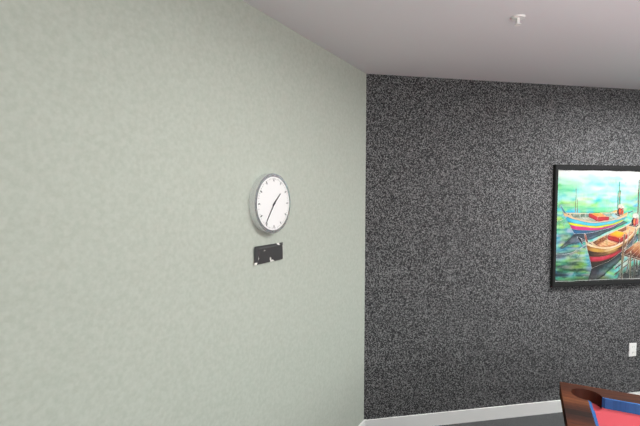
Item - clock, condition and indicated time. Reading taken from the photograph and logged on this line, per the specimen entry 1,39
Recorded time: 1,36
